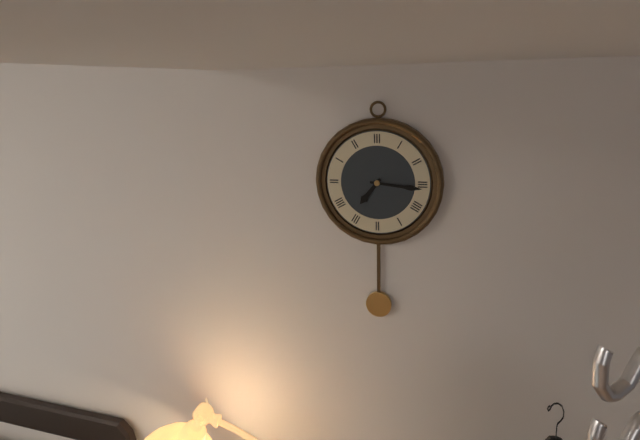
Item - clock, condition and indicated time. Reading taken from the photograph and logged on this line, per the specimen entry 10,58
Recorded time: 7,16
